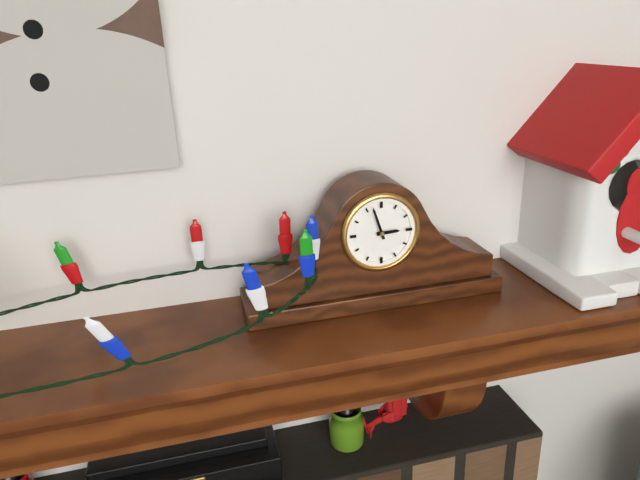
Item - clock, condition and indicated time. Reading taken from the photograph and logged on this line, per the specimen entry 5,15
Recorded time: 2,57
